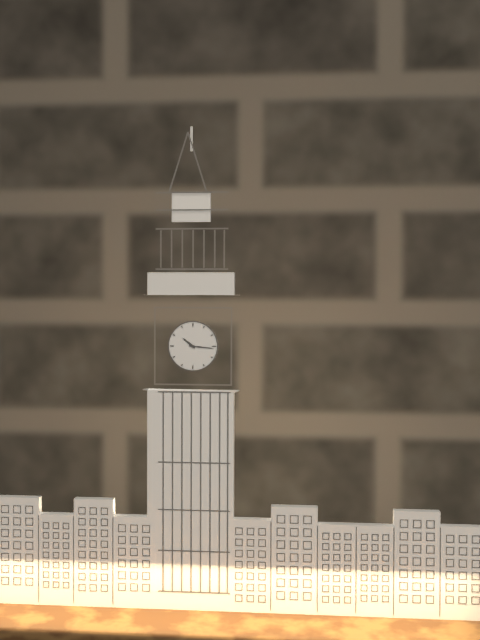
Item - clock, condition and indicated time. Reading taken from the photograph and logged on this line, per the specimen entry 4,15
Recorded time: 10,16
